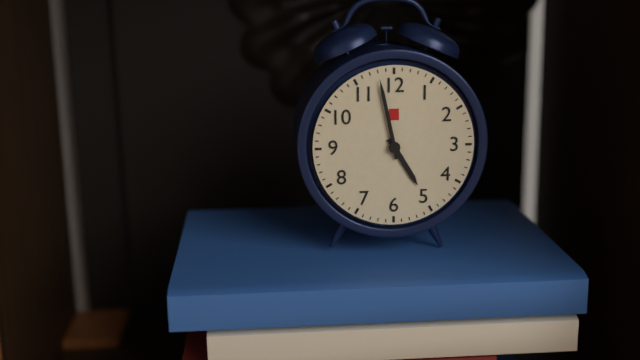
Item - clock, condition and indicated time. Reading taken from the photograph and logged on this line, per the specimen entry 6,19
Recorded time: 4,58
